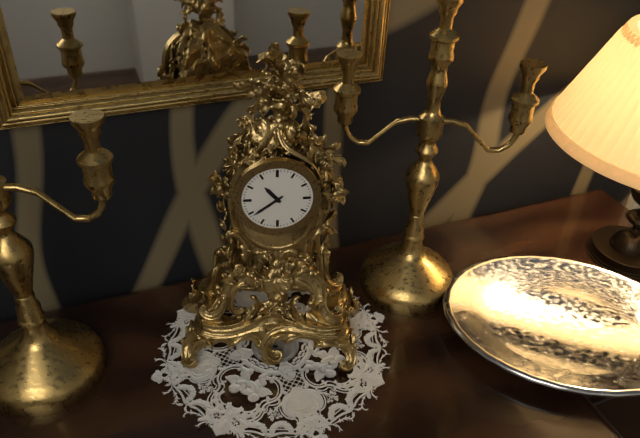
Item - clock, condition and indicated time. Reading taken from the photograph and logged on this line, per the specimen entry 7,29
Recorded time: 10,39
